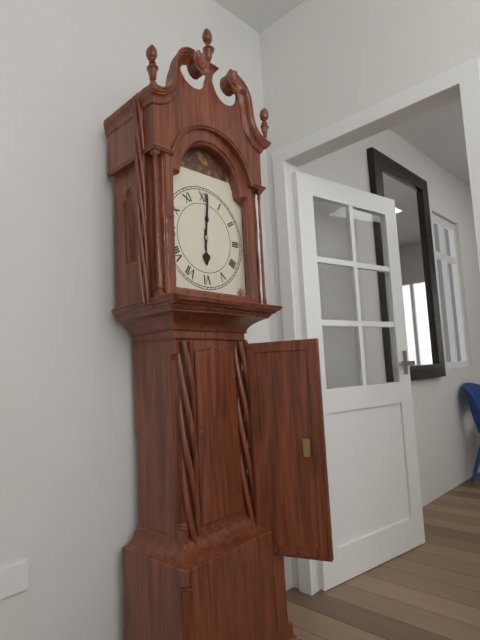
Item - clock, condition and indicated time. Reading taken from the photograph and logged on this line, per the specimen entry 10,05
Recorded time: 6,01
